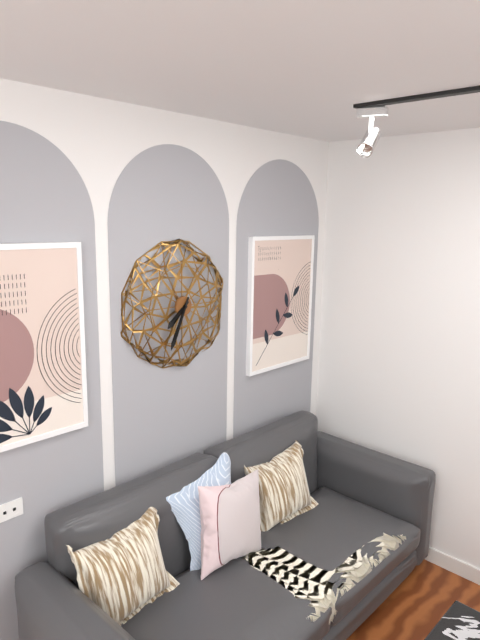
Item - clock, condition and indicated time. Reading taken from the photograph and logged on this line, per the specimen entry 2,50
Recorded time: 7,34
